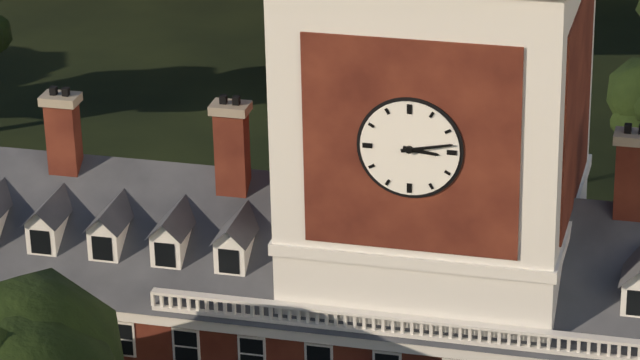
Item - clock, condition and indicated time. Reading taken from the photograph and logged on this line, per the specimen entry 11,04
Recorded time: 3,13
